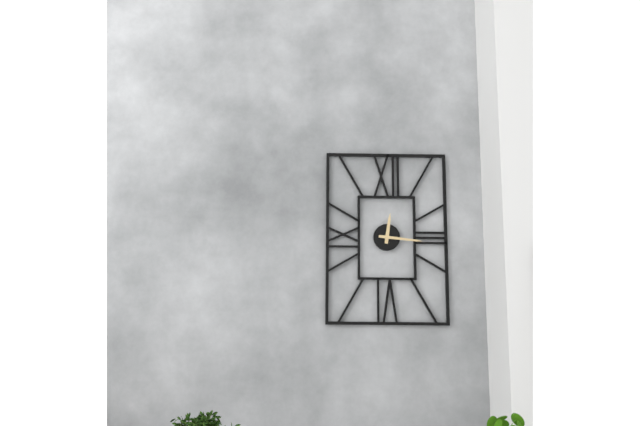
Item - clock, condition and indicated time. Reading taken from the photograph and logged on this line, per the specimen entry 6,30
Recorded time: 12,16
